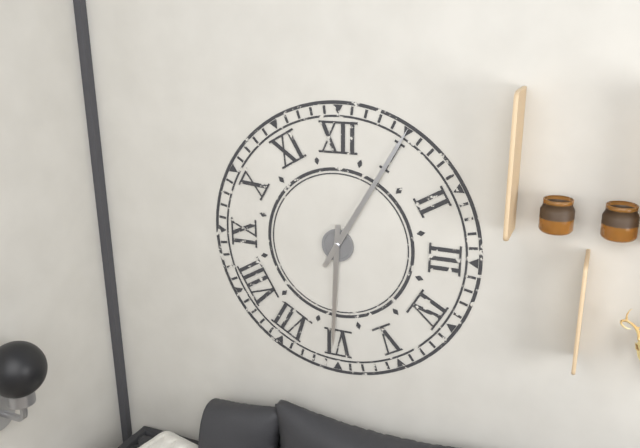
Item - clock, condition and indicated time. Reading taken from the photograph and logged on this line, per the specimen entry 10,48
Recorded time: 6,05
